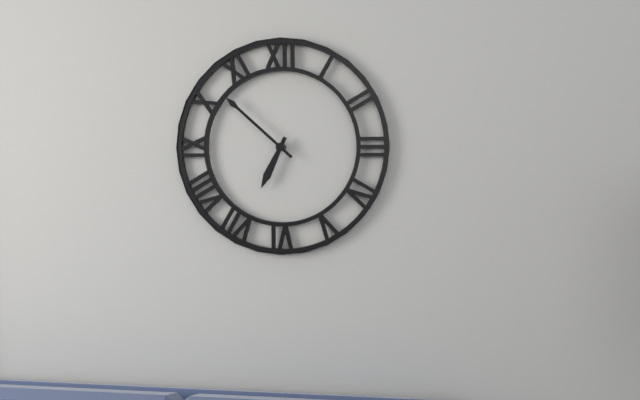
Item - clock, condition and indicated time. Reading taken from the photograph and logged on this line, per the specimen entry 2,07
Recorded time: 6,52
